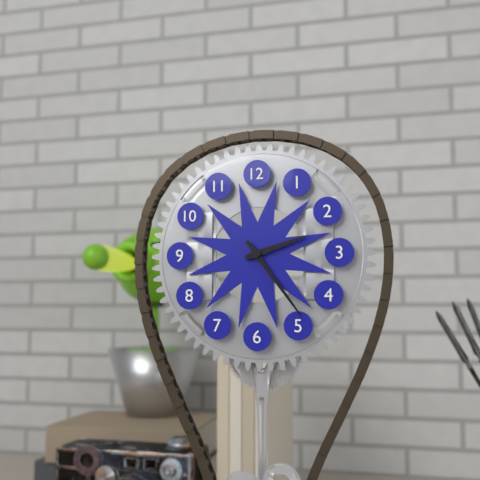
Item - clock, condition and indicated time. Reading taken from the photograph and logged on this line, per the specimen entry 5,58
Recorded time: 2,24
